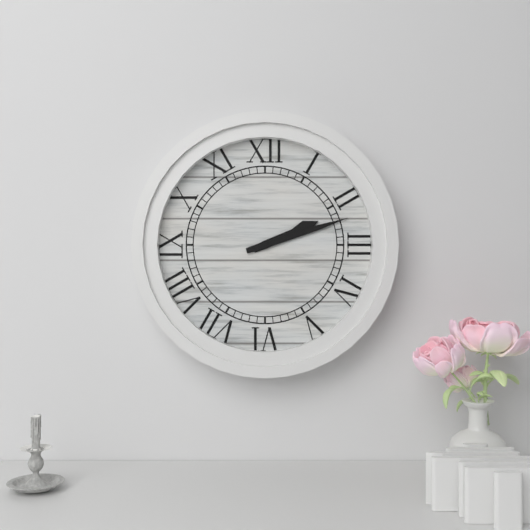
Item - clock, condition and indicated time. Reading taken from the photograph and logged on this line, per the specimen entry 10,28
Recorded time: 2,12
